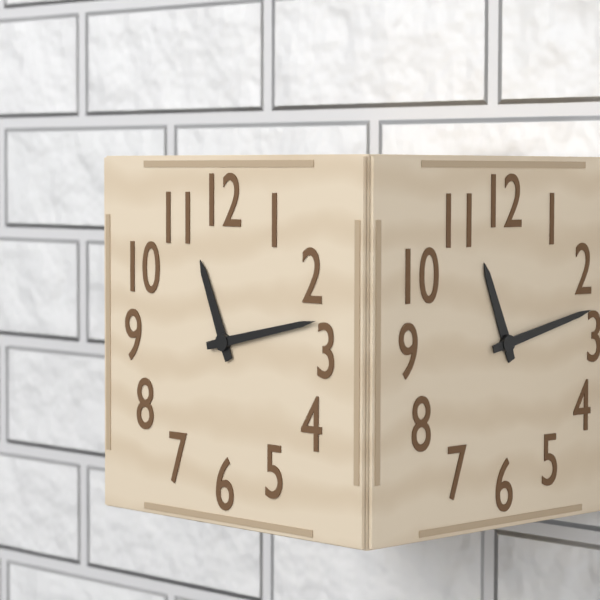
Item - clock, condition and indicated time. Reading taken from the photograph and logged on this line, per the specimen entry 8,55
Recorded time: 11,13
